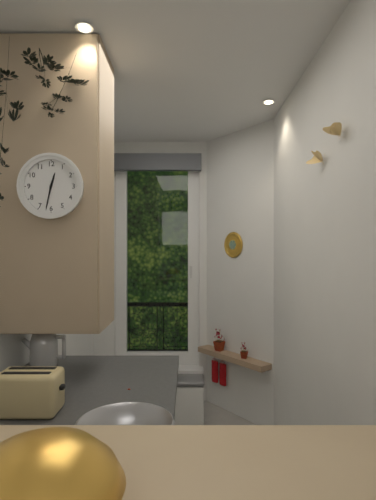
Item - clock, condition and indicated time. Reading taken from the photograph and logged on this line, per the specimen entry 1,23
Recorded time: 12,32
